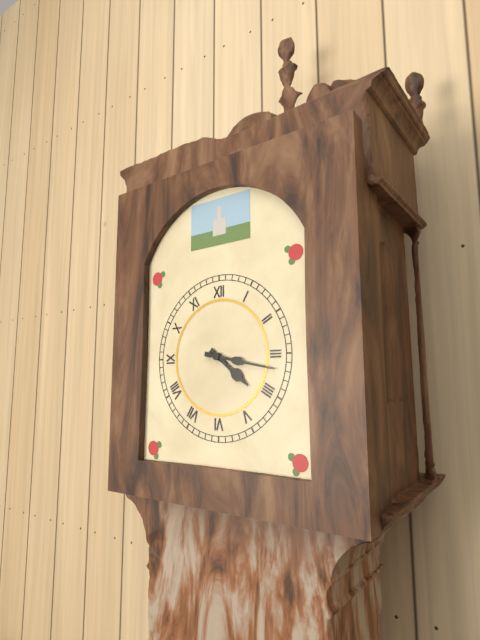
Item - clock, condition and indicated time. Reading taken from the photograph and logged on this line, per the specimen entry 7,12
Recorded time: 4,17
